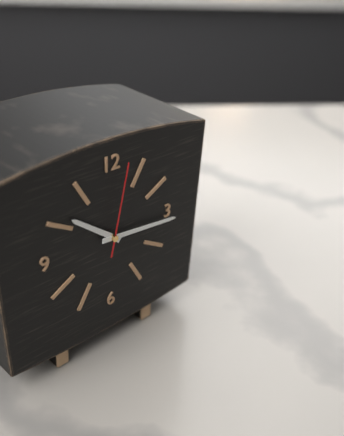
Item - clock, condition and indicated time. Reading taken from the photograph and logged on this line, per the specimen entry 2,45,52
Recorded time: 10,16,02
